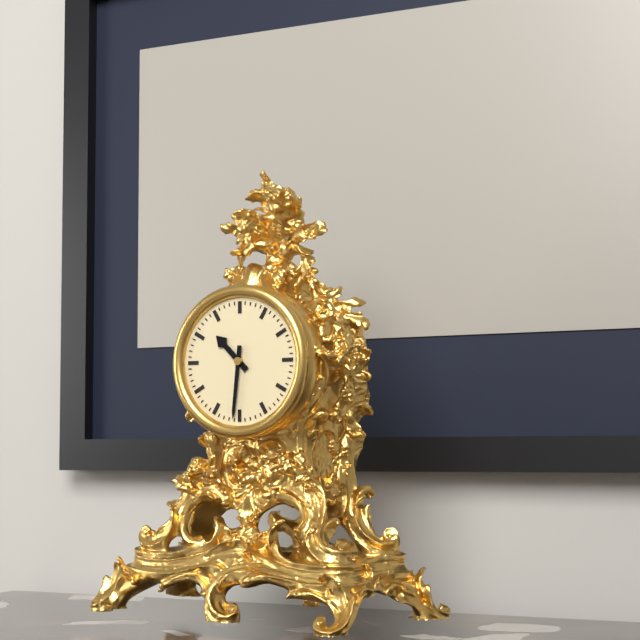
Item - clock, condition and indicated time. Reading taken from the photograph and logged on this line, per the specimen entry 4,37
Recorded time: 10,31
